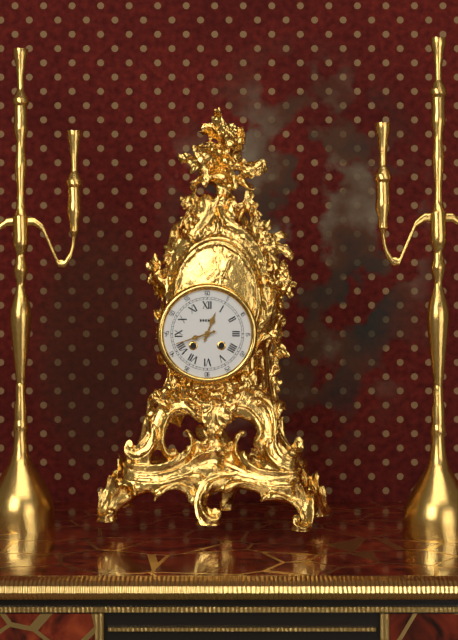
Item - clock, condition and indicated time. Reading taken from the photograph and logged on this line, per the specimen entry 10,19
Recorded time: 12,42
